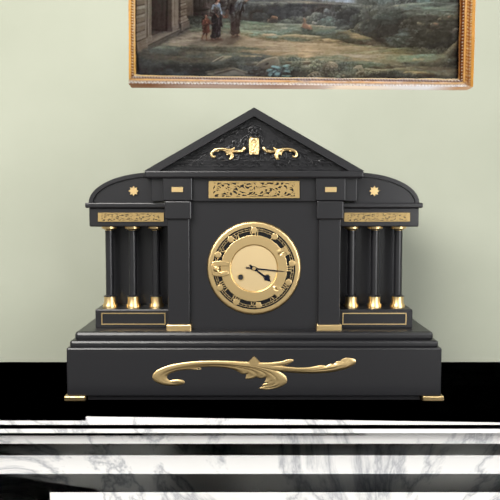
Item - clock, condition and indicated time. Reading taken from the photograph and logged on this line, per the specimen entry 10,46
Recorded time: 4,16
